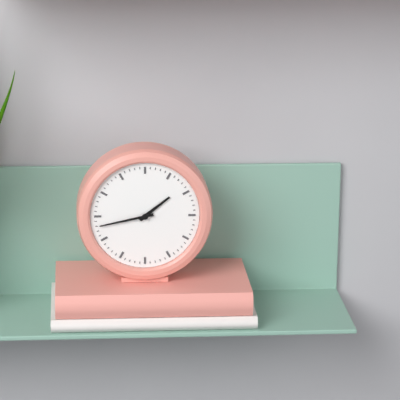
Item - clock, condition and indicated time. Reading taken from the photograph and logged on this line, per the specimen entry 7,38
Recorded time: 1,43
